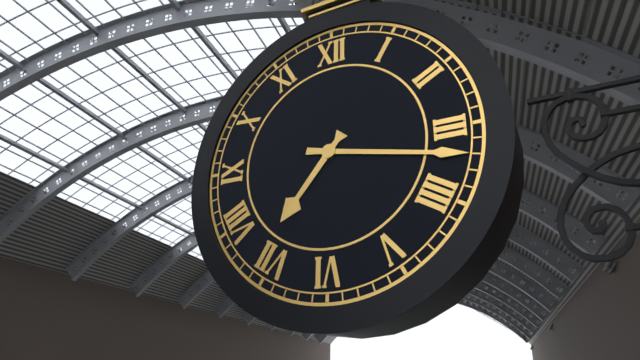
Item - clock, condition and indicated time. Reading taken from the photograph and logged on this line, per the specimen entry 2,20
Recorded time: 7,17
